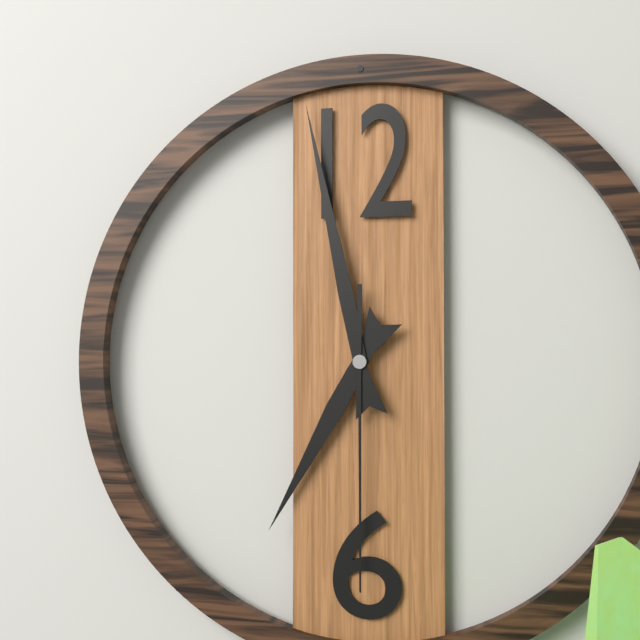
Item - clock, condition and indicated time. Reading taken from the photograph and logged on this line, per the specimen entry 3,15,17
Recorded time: 6,58,30
